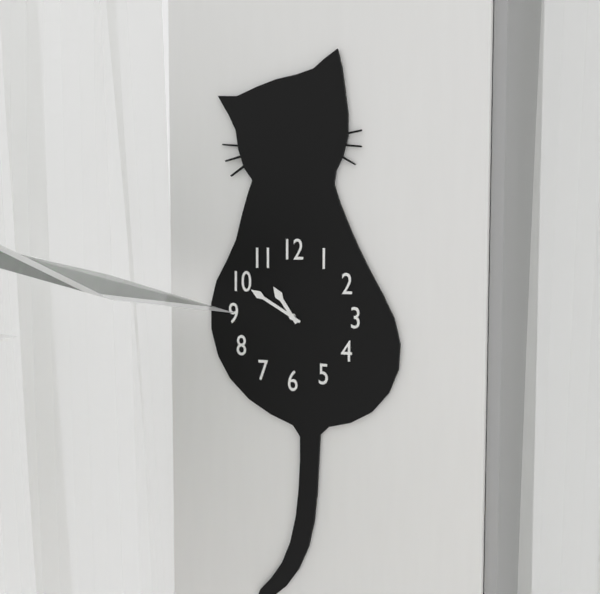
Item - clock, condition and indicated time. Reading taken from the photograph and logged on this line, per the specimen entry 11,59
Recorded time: 10,50
